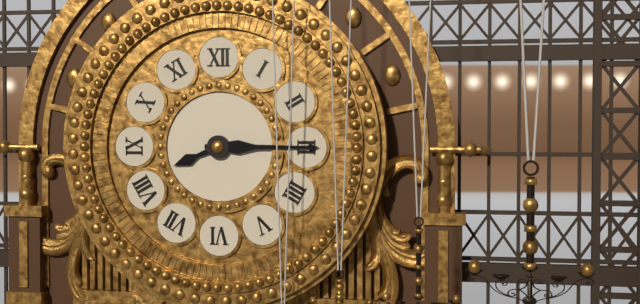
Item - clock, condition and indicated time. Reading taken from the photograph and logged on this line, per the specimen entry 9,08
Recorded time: 8,15
